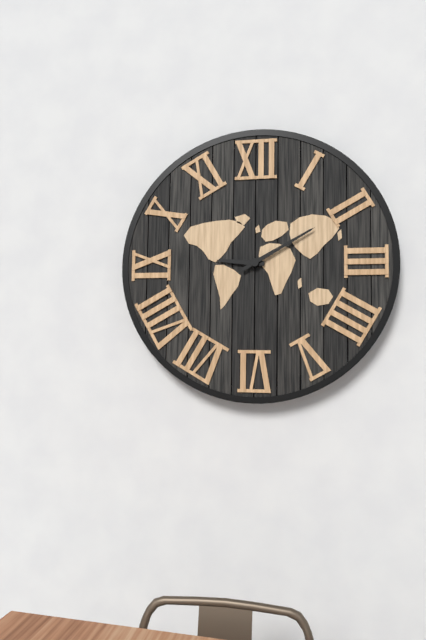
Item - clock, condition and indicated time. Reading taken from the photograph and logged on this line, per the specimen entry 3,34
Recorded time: 9,10
